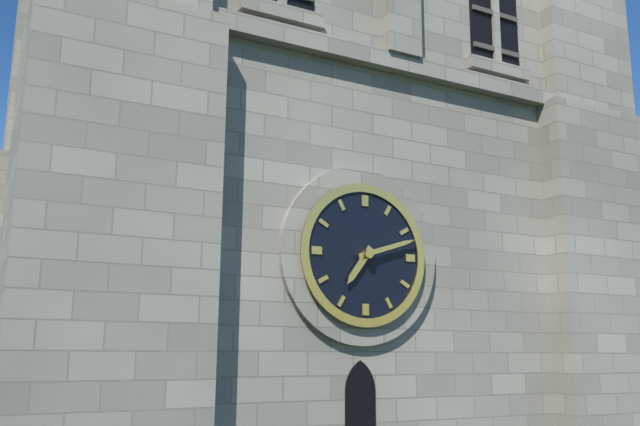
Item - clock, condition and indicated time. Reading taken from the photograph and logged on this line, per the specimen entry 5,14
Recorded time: 7,12
